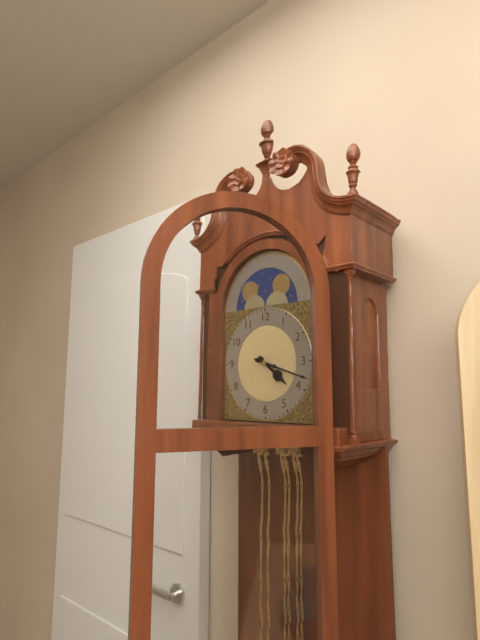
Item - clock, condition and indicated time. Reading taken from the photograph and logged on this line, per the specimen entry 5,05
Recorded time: 4,18
